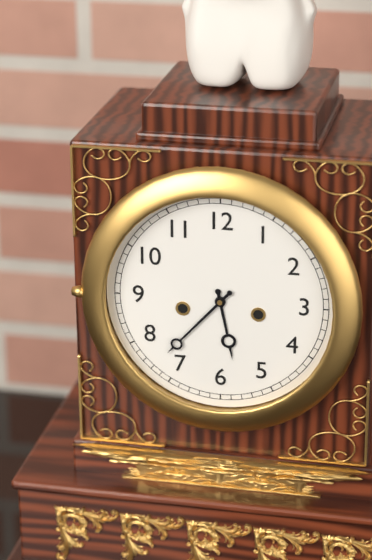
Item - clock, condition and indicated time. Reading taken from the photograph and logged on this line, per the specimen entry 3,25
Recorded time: 5,37
